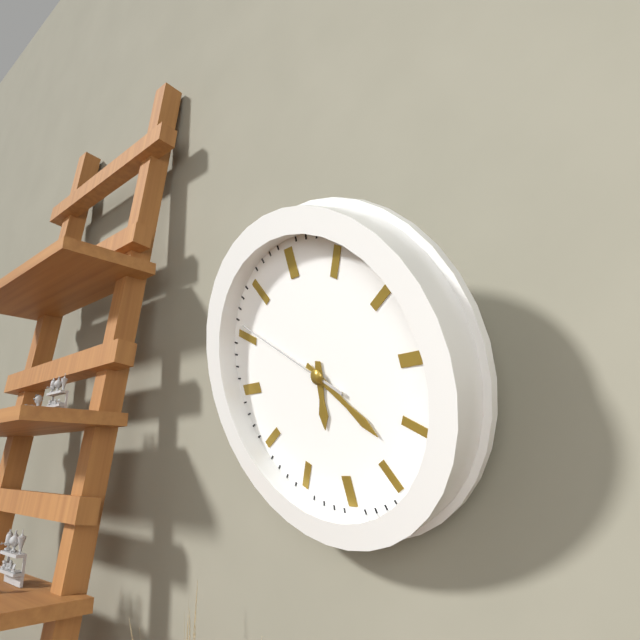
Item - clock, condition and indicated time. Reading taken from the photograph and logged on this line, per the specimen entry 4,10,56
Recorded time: 6,23,51
